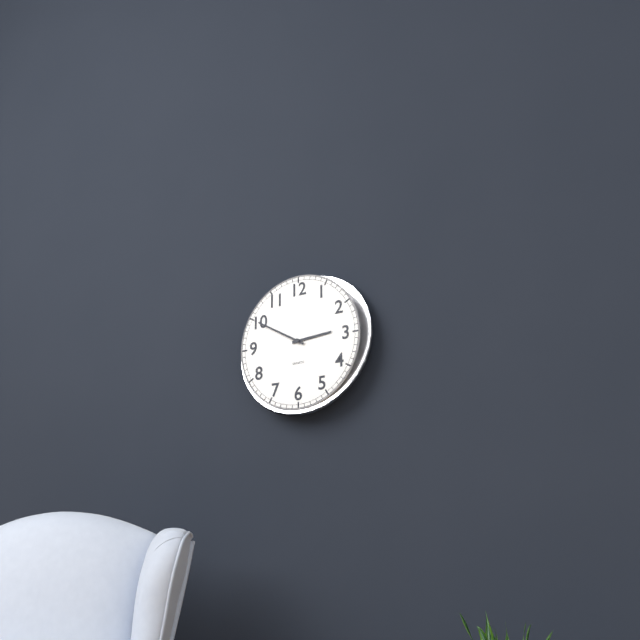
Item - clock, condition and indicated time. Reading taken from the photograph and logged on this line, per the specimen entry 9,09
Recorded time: 2,50
